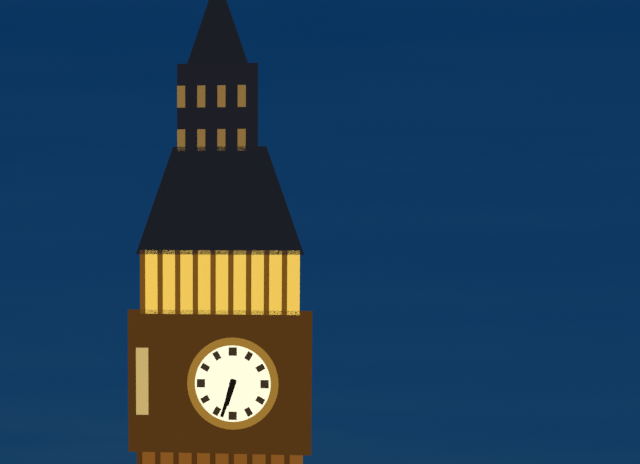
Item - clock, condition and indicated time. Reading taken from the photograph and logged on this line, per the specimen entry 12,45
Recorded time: 6,33
